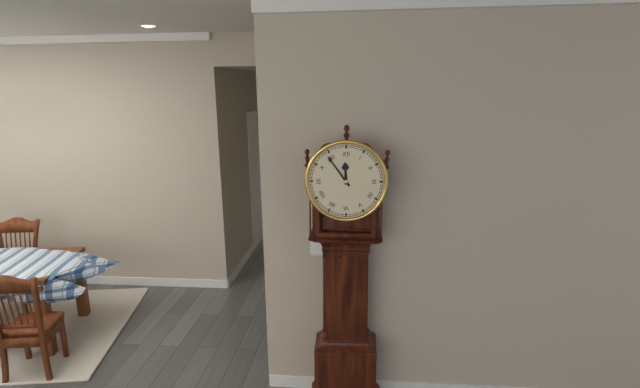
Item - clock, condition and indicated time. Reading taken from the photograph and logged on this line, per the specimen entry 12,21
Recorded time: 11,54
